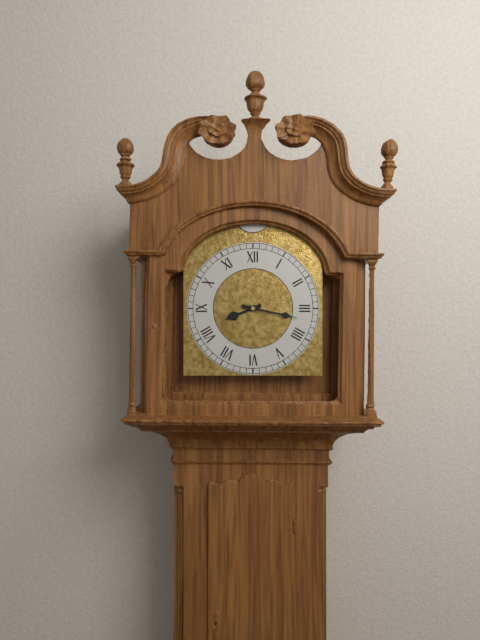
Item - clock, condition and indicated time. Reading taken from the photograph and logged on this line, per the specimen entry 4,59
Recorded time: 8,17
